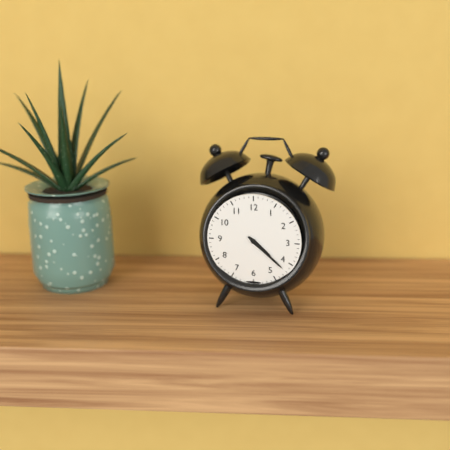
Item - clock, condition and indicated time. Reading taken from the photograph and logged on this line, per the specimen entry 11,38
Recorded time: 4,22
